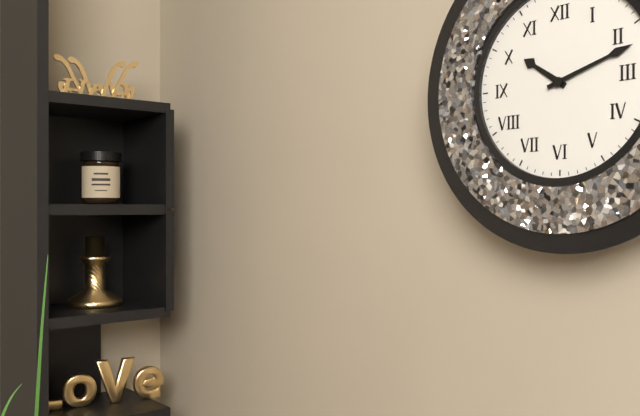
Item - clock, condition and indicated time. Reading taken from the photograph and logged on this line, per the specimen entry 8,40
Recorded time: 10,12
